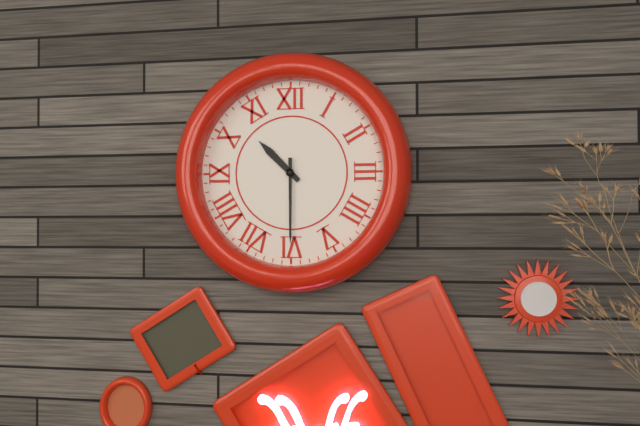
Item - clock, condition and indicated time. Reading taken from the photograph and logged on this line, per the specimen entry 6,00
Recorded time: 10,30
